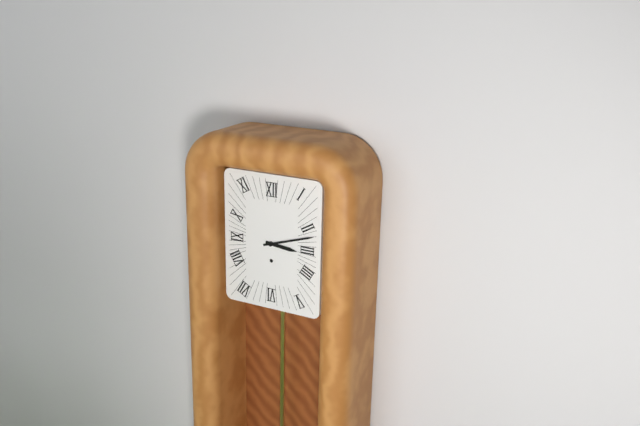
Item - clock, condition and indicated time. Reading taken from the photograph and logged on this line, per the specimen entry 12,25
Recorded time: 3,12
